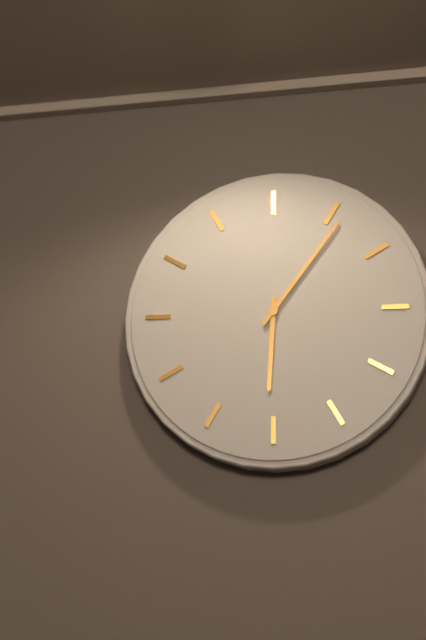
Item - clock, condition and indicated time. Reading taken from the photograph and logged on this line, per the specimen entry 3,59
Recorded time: 6,06
